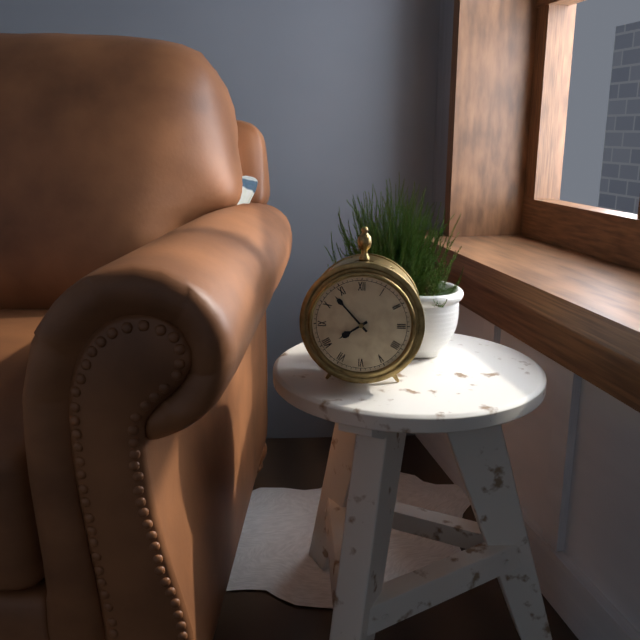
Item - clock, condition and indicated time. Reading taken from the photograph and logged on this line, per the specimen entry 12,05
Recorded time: 7,53
